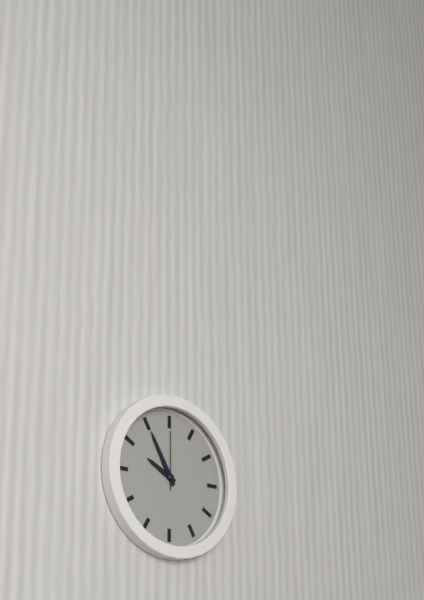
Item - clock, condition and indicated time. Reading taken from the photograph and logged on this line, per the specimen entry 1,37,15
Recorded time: 9,55,00
